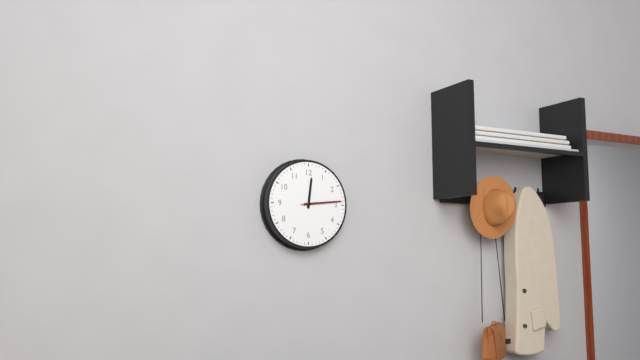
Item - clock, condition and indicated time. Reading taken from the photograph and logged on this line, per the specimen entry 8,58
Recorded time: 12,14
